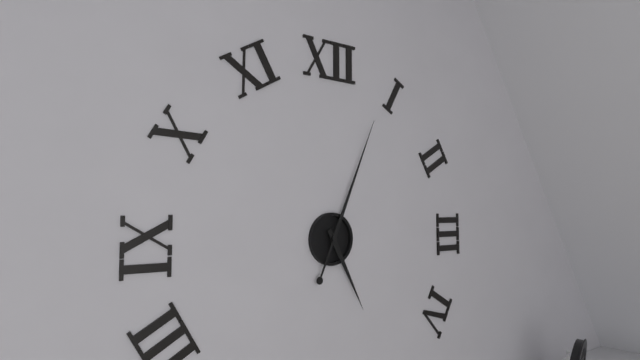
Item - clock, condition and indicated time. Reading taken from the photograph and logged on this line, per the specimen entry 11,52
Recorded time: 5,04
